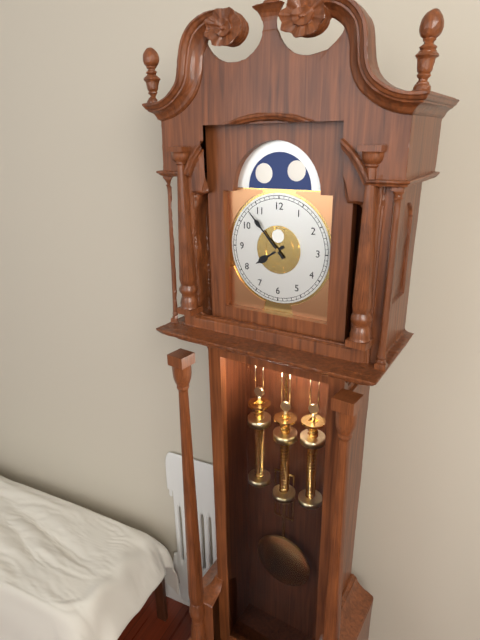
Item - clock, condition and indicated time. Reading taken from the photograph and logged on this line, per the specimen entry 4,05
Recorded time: 7,53
